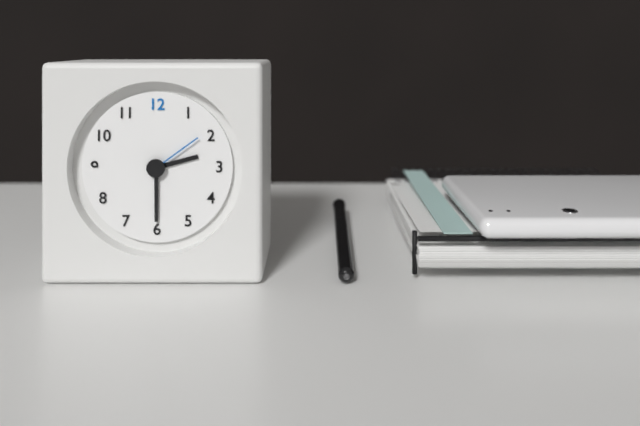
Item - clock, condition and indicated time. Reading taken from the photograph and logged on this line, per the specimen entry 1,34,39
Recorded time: 2,30,09
